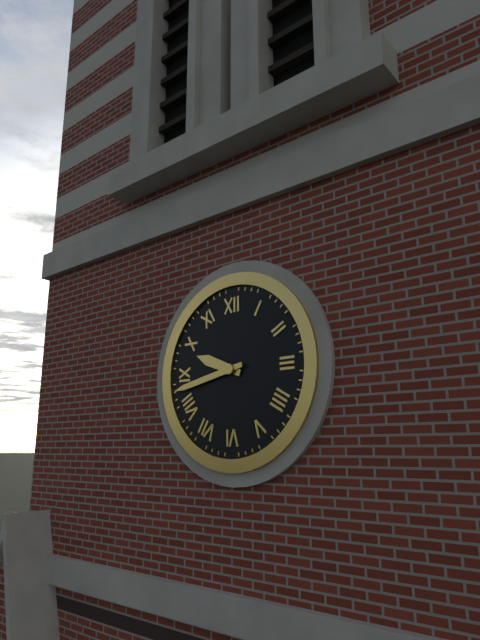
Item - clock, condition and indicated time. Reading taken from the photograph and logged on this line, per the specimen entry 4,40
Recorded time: 9,43
